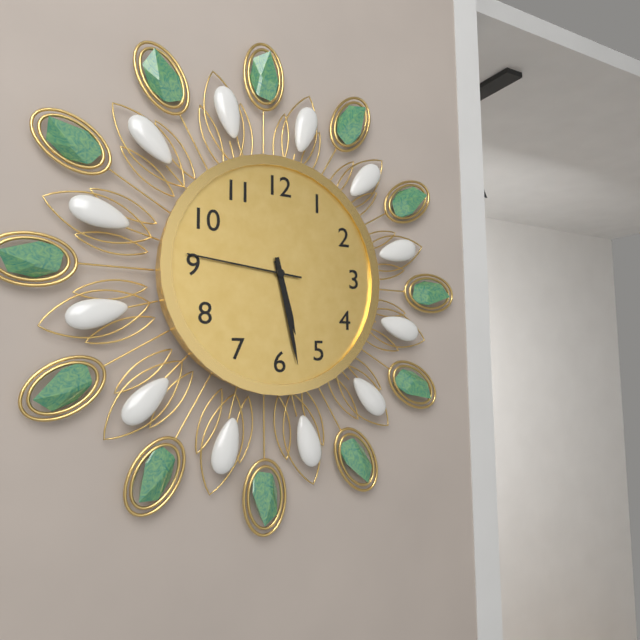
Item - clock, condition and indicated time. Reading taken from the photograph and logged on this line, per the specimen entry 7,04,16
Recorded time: 5,28,46
